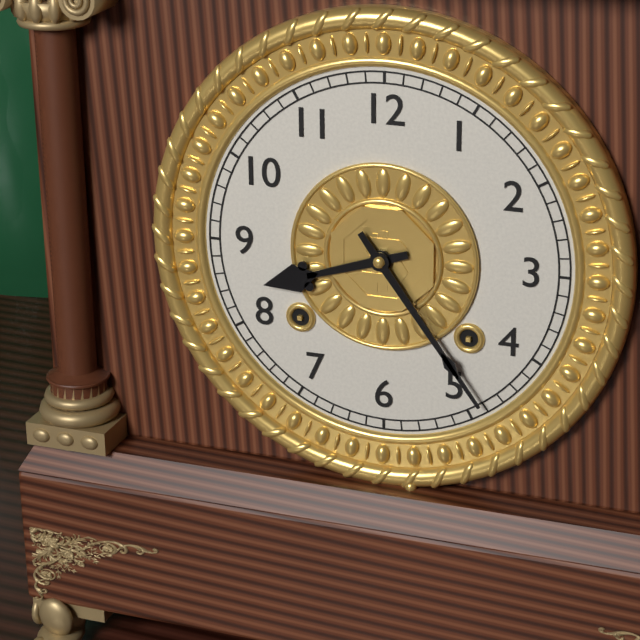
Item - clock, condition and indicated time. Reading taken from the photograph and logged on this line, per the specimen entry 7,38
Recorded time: 8,24
